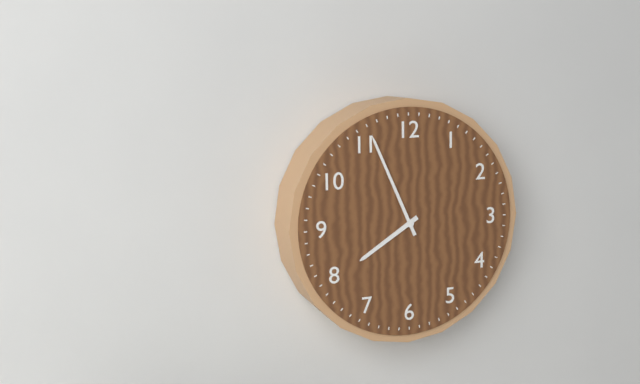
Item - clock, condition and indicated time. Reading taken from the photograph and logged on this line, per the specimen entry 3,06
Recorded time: 7,56
